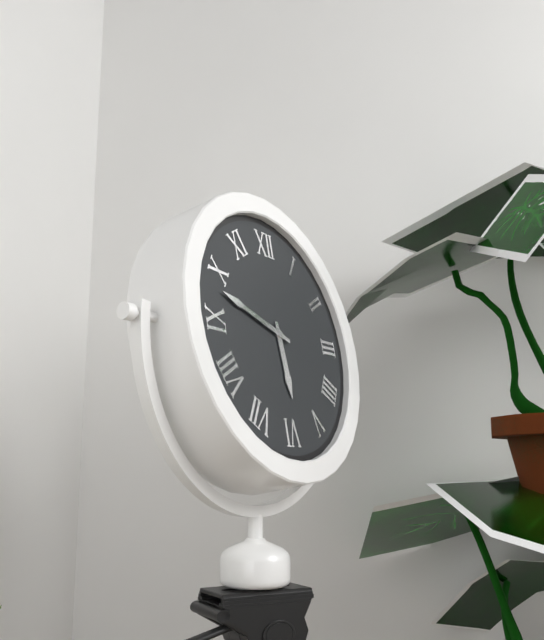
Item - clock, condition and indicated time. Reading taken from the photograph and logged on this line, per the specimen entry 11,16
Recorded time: 5,48
